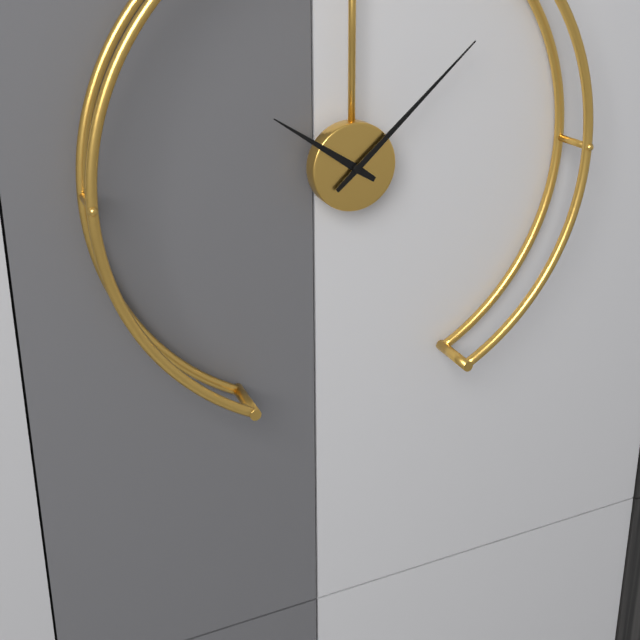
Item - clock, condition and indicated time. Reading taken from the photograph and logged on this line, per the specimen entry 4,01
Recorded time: 10,08
